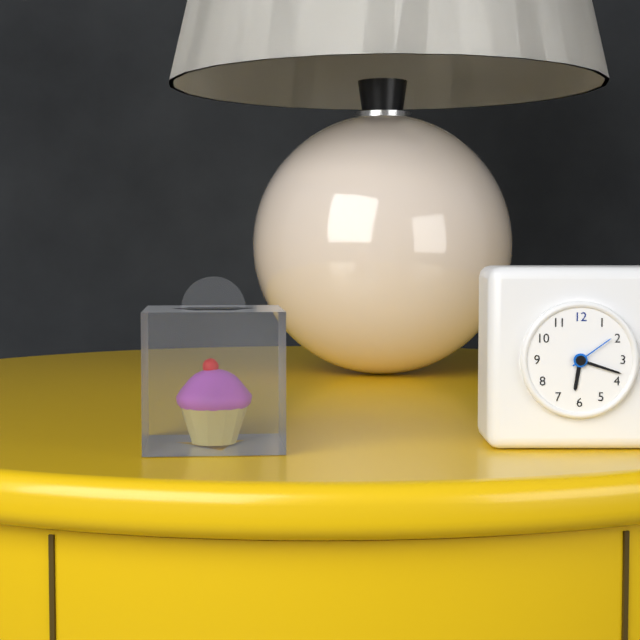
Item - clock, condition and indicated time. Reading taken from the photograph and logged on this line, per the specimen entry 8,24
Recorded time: 6,18
